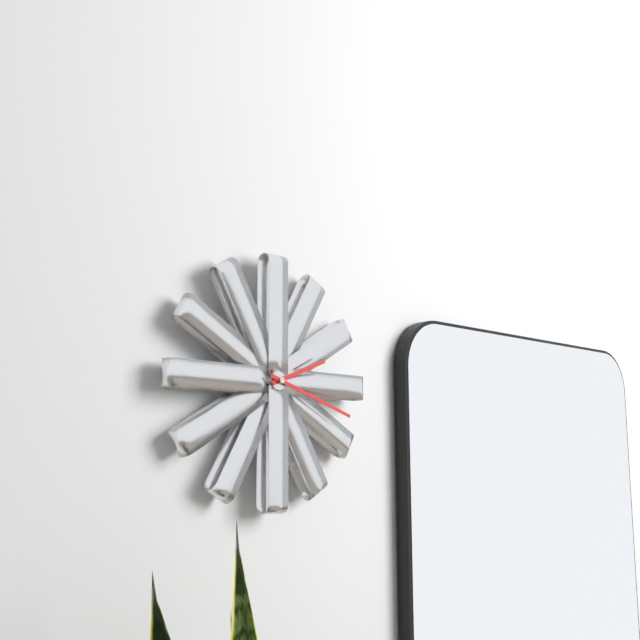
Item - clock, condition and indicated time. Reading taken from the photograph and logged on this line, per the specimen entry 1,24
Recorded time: 2,18
